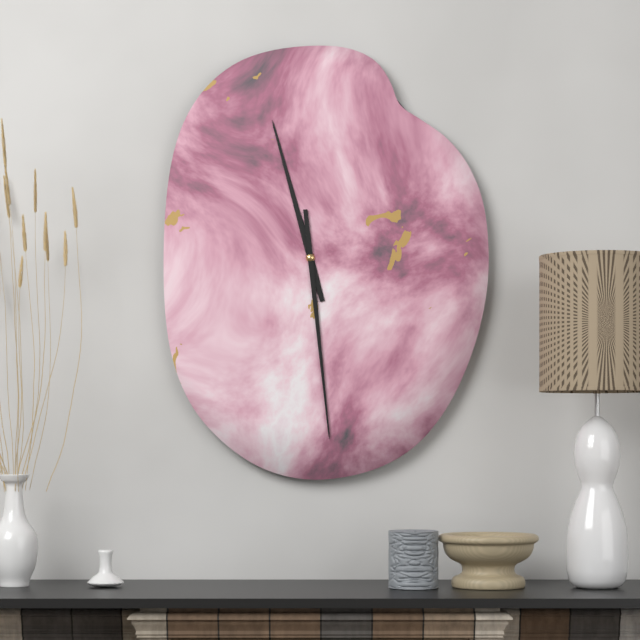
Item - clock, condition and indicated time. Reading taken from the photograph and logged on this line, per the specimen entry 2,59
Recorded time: 11,29
